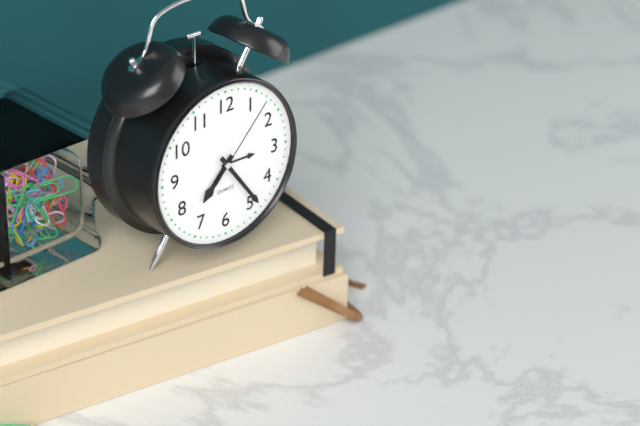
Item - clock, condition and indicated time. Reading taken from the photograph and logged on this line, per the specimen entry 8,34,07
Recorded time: 7,24,07
